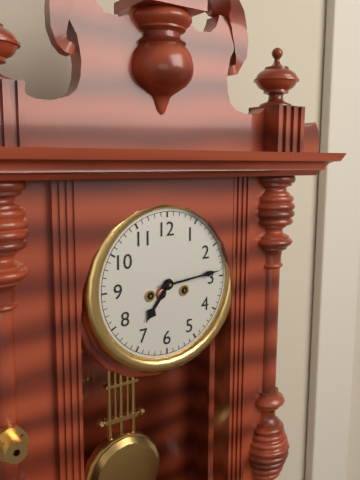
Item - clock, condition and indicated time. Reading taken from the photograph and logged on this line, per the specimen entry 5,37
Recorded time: 7,14
